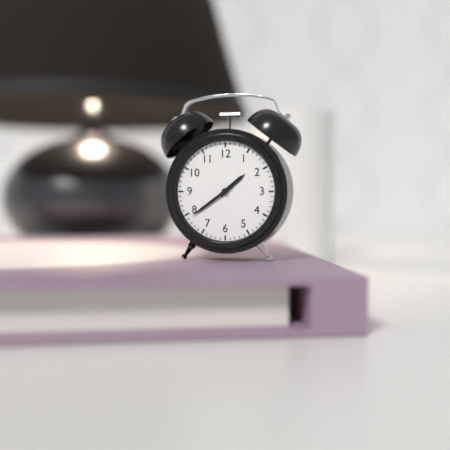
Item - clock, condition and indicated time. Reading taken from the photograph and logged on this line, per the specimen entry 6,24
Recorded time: 1,39
